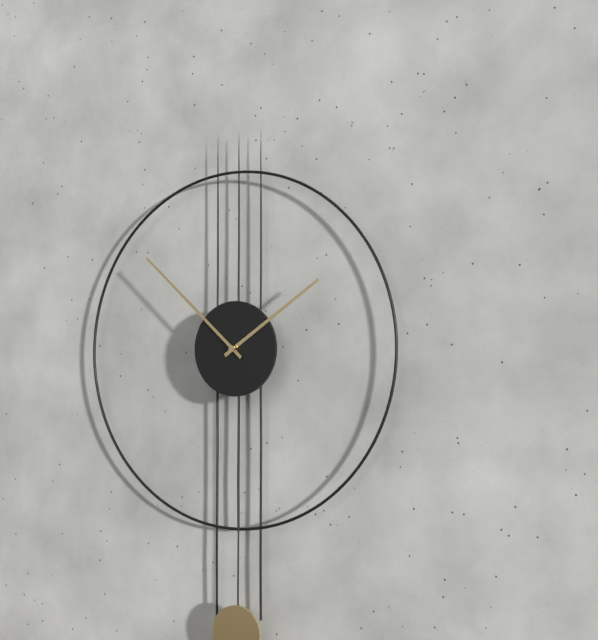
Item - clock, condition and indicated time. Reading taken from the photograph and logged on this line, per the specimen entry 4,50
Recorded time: 1,52
